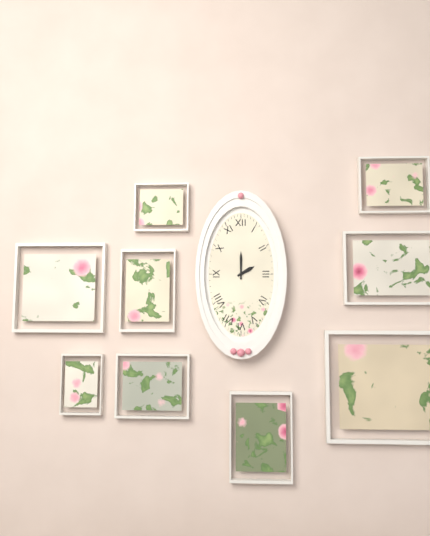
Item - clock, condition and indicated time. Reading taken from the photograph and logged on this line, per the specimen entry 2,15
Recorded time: 2,00
